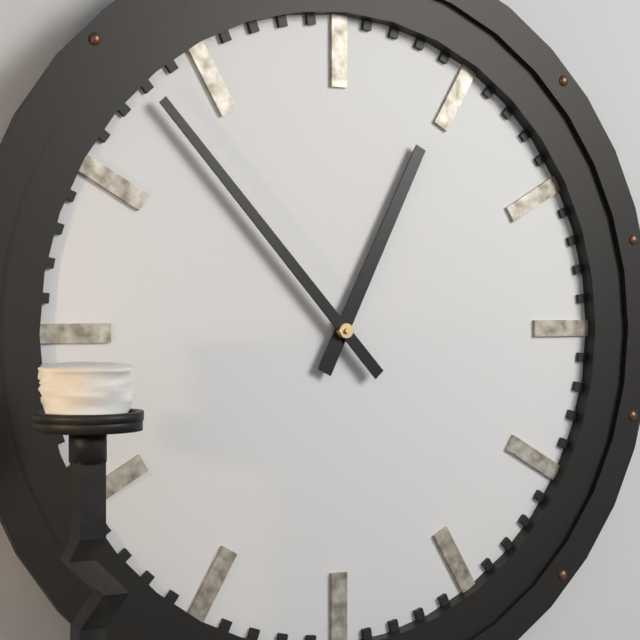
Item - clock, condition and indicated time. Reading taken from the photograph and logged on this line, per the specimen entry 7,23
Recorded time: 12,53
